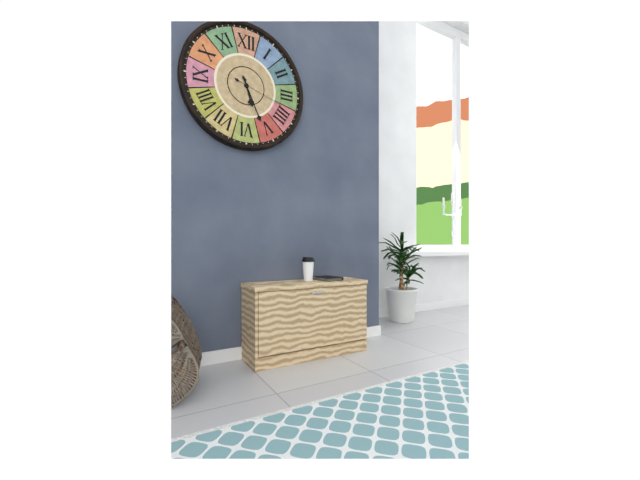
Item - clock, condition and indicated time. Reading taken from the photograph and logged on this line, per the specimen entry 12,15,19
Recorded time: 5,26,18
